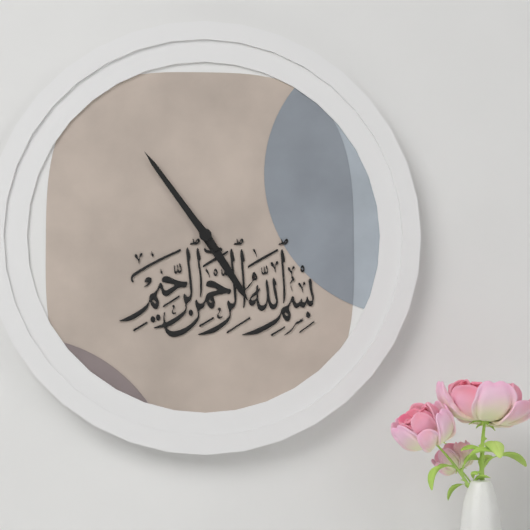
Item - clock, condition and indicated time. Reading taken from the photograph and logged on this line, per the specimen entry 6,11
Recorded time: 4,54
